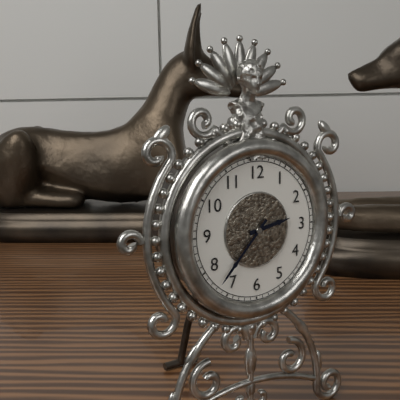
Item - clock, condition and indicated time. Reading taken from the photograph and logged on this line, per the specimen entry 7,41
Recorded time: 2,37
